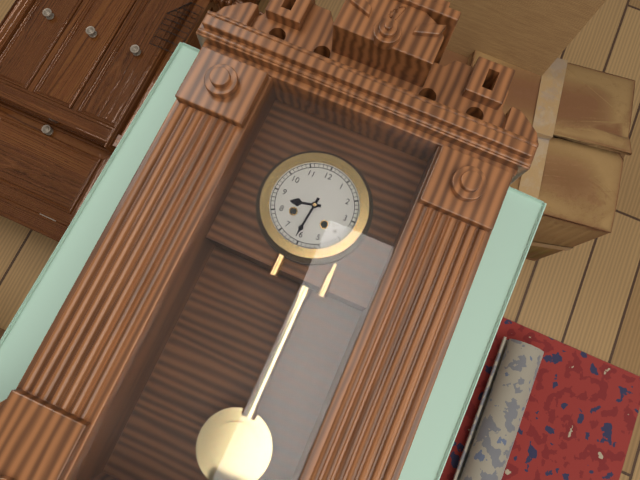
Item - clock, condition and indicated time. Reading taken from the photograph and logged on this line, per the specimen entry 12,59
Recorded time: 8,31
